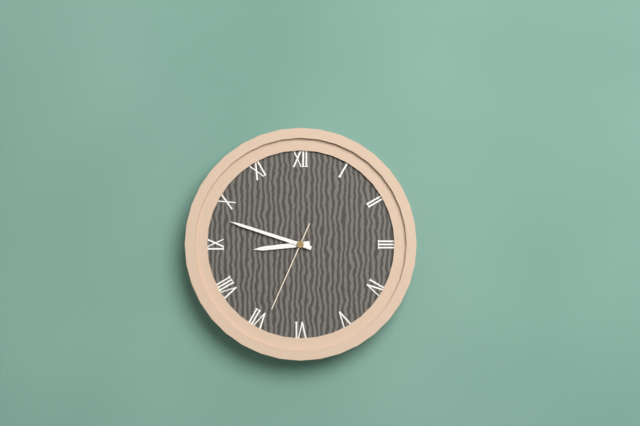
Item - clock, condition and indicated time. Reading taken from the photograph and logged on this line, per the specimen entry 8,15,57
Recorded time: 8,48,34
